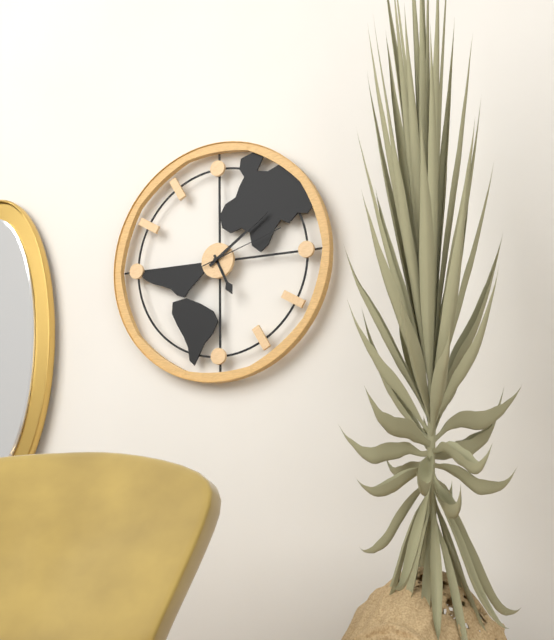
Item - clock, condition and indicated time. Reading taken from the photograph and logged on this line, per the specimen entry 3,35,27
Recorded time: 5,09,12
